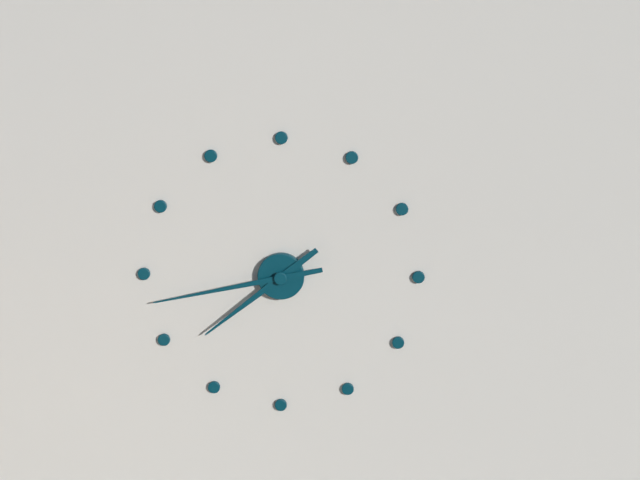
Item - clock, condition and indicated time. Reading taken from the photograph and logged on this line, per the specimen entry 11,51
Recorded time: 7,43
